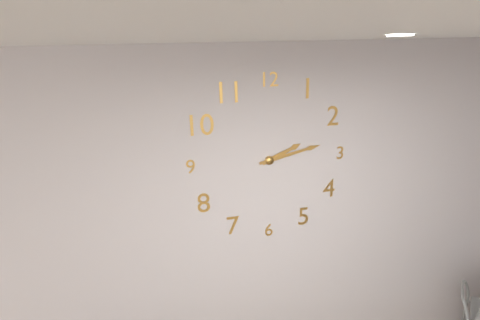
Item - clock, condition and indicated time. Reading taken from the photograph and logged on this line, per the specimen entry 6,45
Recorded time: 2,13
